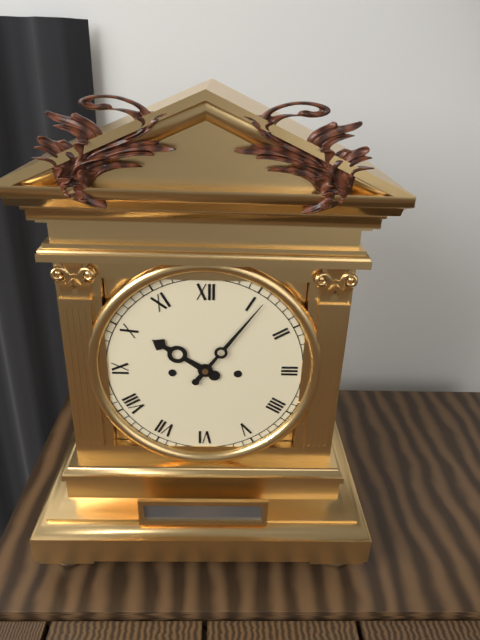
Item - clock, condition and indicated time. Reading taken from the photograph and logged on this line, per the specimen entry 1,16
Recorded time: 10,06
